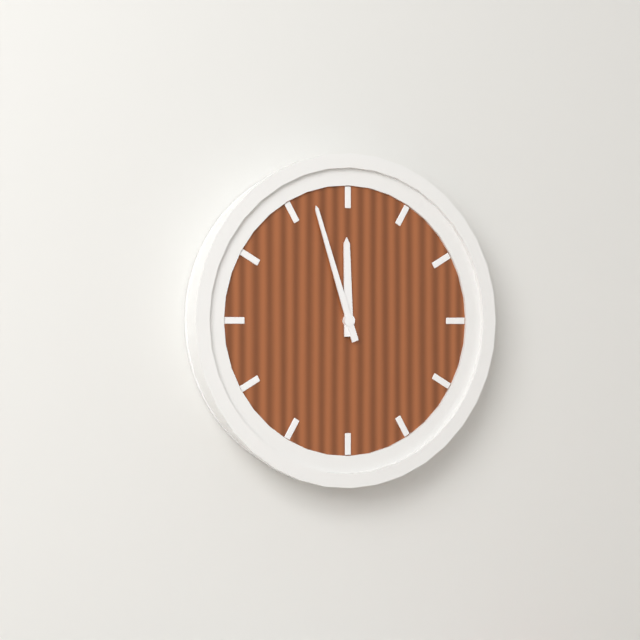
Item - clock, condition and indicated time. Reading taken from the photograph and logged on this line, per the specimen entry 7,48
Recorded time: 11,57
